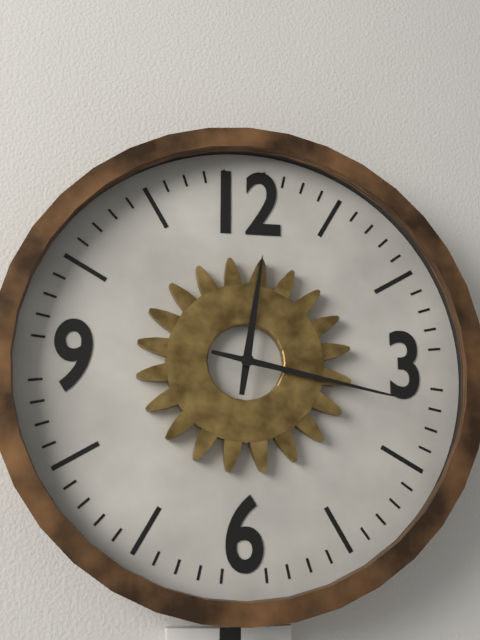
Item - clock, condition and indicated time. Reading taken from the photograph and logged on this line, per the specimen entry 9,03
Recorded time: 12,17
